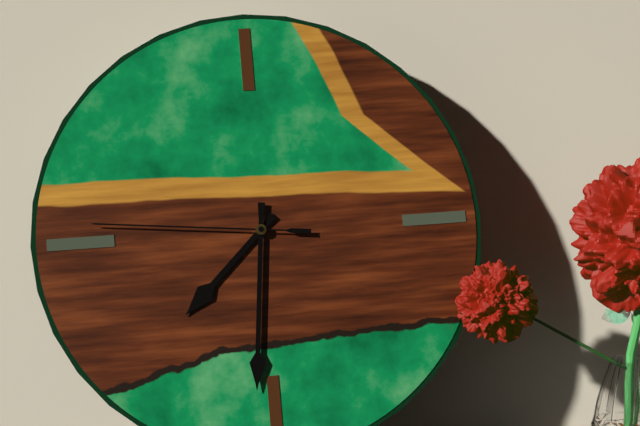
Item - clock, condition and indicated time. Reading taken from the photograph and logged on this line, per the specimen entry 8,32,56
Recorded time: 7,31,46
